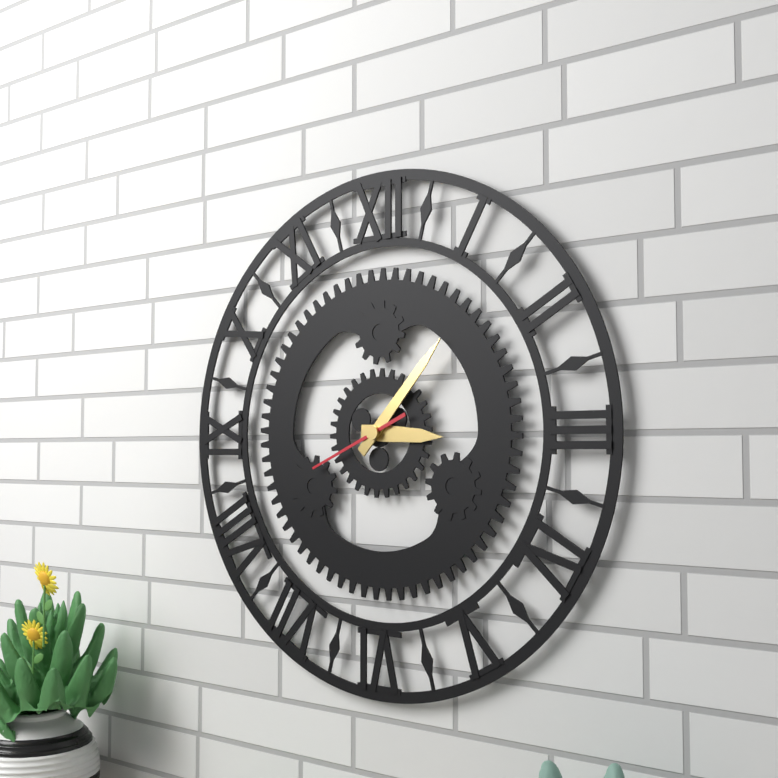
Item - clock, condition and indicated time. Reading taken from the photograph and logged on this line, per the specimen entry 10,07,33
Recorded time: 3,07,41
